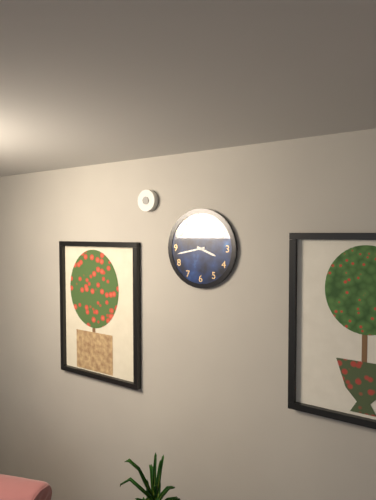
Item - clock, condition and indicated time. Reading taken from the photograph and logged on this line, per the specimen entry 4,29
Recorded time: 3,43
